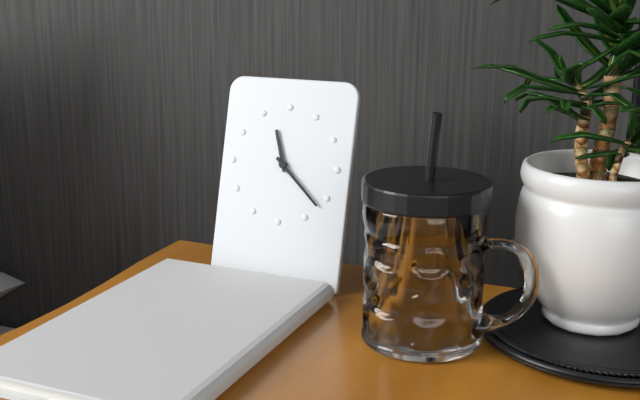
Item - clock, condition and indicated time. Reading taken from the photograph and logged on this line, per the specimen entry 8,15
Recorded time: 11,22
